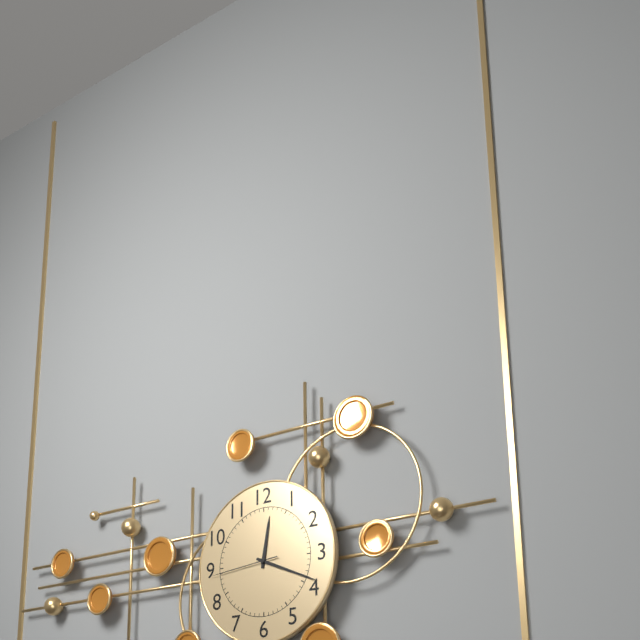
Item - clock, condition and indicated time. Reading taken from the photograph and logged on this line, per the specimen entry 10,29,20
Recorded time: 12,19,44
